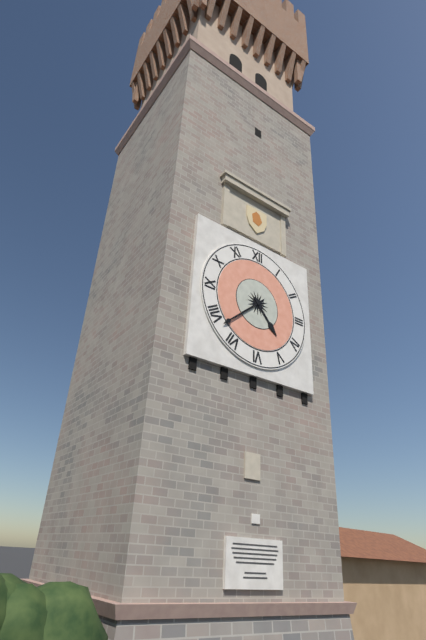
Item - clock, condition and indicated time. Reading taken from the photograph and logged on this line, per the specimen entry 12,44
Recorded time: 4,38
